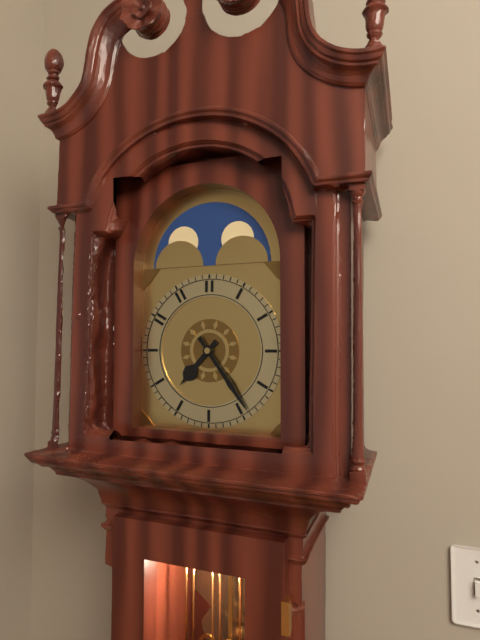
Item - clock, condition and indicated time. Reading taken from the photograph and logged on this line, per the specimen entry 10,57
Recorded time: 7,24
